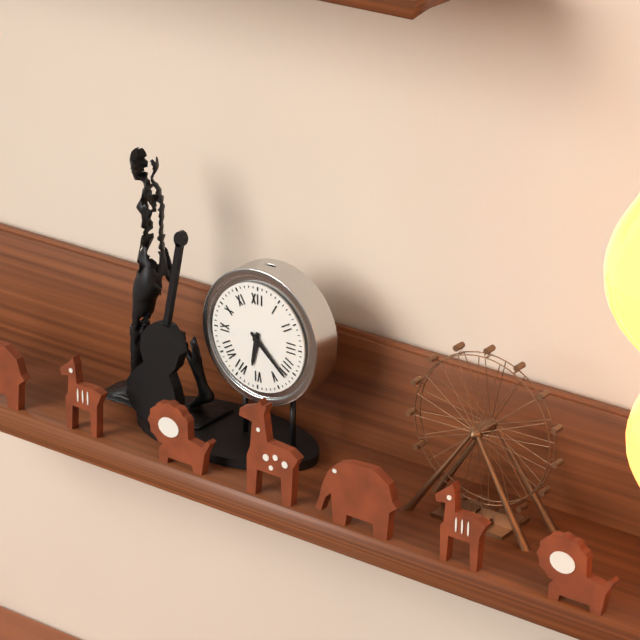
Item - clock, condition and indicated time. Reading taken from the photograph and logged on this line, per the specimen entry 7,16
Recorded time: 6,22
